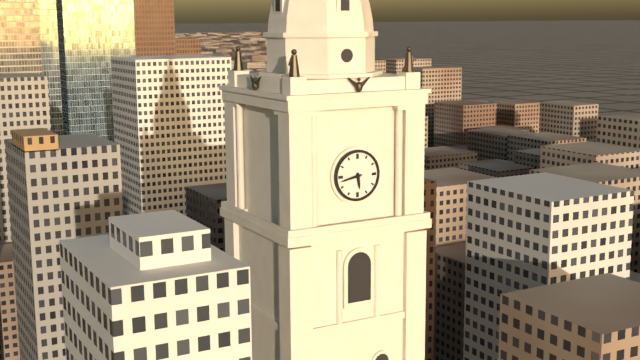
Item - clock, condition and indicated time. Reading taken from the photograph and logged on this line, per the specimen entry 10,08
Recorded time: 5,43
